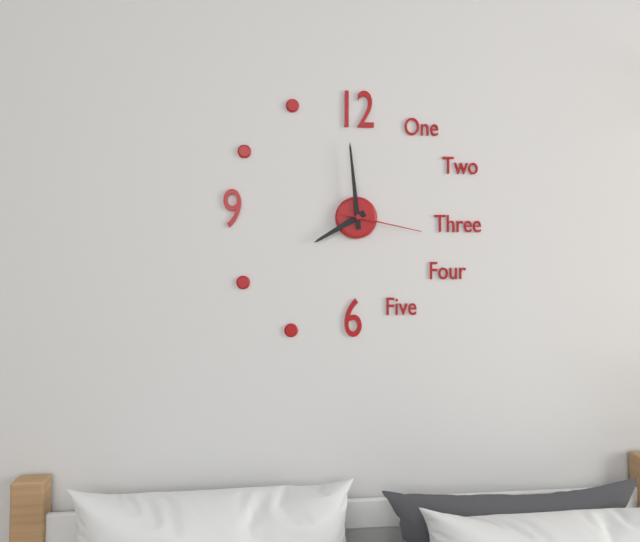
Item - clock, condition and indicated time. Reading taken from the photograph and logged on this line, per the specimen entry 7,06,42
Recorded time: 7,59,17
